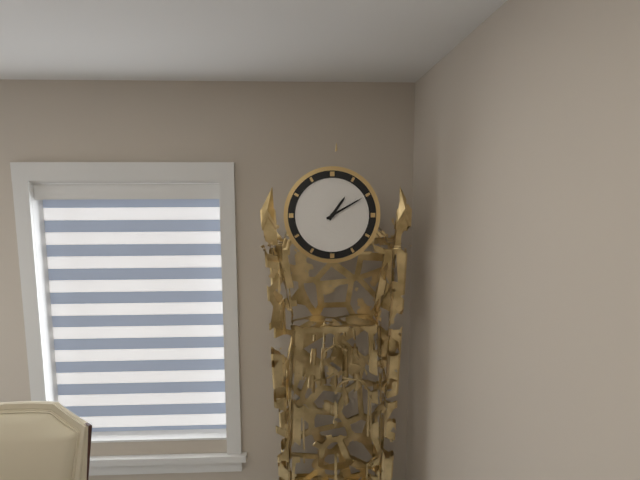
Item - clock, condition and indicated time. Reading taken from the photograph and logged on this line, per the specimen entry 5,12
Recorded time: 1,10
